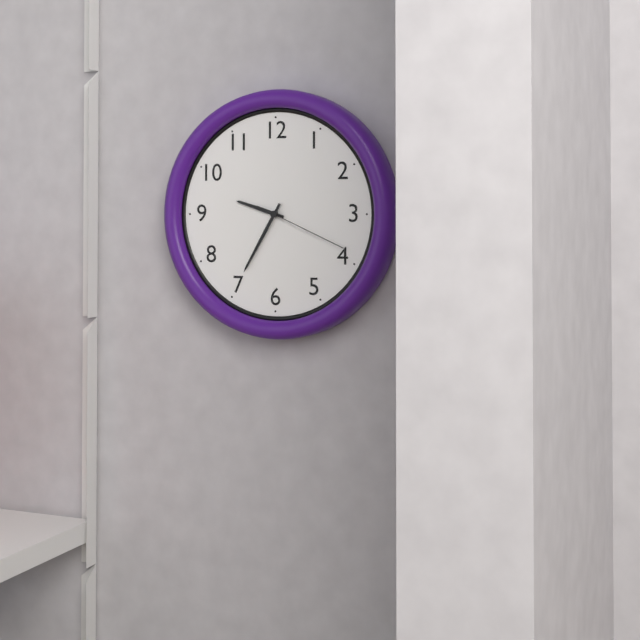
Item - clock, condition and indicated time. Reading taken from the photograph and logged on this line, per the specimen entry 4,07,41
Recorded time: 9,35,19
